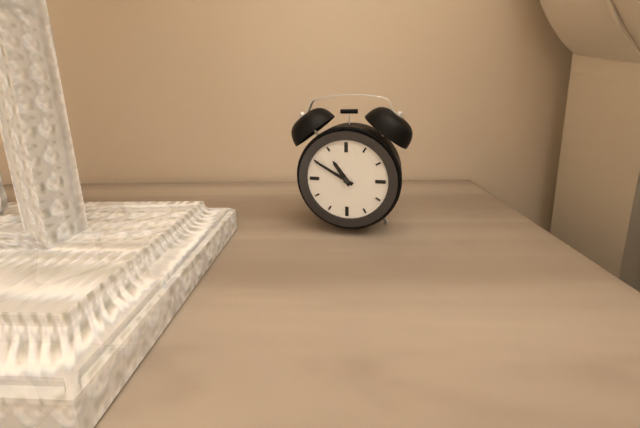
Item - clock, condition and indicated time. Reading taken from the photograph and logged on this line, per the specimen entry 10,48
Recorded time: 10,50
